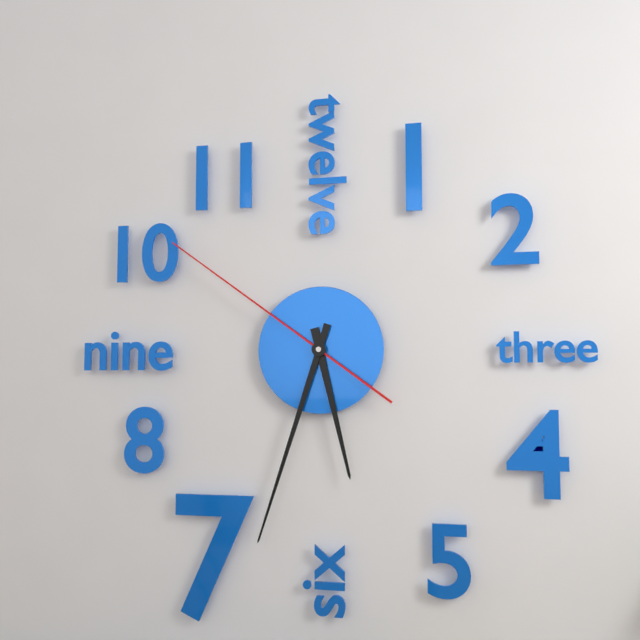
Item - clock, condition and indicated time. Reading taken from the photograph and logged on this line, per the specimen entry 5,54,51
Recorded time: 5,33,51
